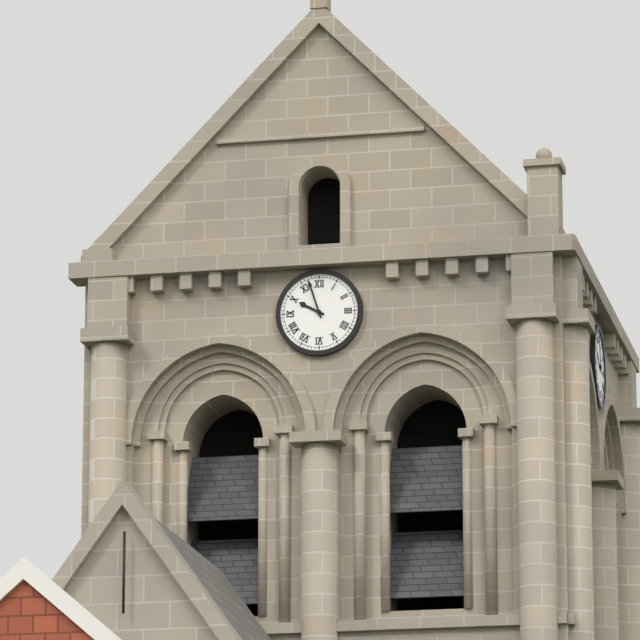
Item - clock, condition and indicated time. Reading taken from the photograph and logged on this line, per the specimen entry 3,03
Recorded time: 9,57
